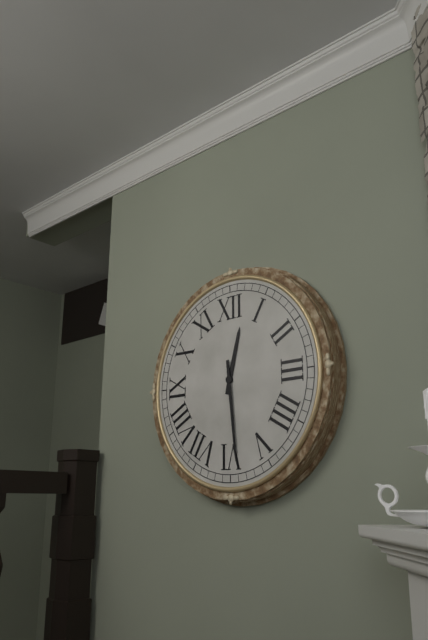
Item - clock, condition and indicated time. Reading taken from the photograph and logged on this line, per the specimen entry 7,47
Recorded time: 12,29
